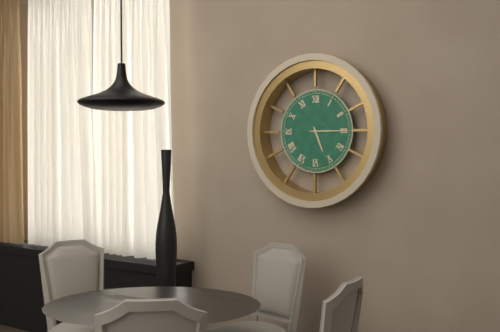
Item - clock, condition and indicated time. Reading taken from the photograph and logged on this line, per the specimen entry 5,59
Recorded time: 5,15
